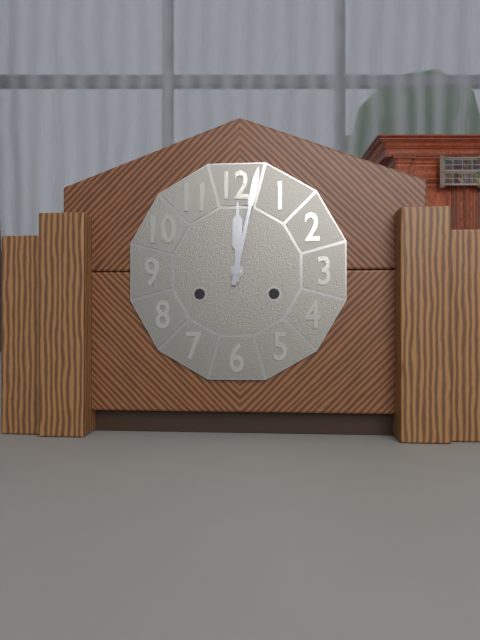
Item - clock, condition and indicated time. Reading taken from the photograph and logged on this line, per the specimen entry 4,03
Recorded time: 12,02
